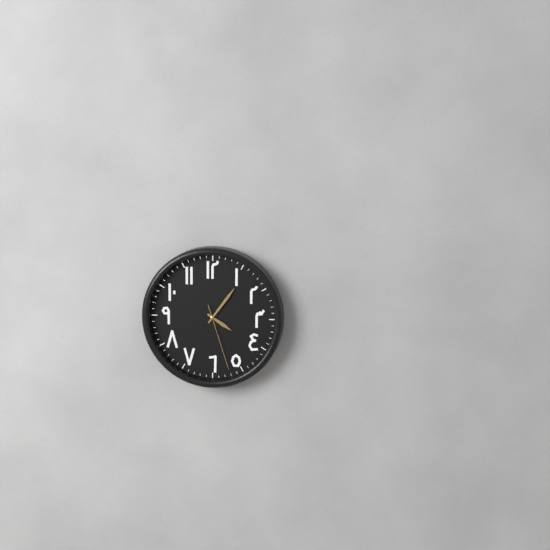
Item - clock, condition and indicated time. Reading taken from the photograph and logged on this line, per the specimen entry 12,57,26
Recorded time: 4,06,27
